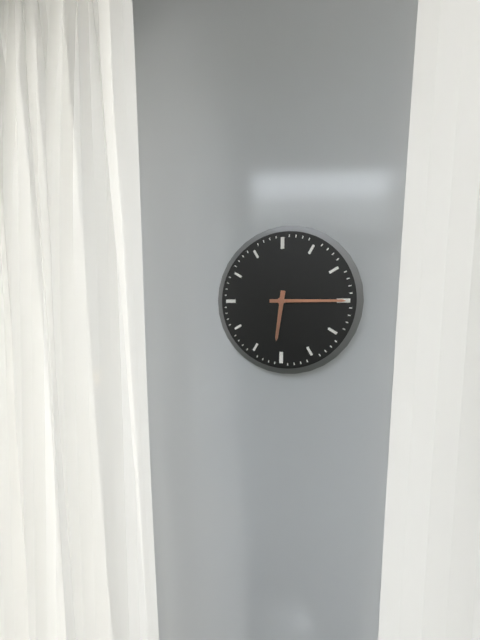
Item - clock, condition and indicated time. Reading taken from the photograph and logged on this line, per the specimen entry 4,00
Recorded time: 6,15
